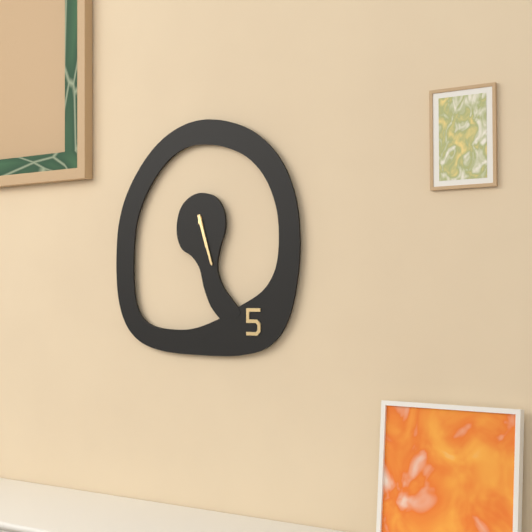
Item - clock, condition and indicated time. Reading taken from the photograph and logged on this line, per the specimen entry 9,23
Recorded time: 5,27
